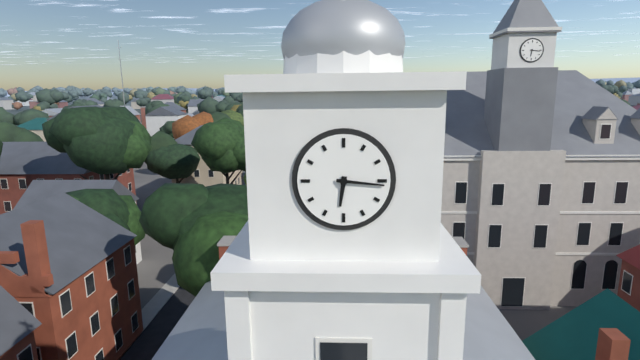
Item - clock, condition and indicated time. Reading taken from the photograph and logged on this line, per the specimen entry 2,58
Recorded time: 6,16
